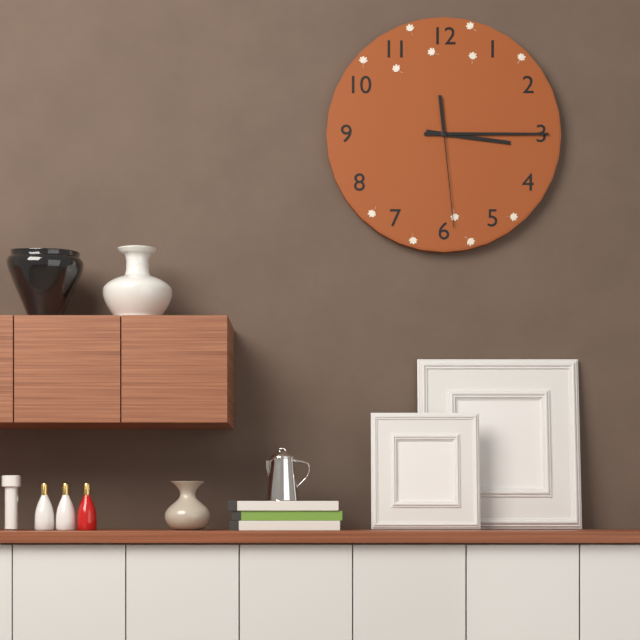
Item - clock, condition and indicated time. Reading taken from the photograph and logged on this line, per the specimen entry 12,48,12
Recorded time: 3,15,29
